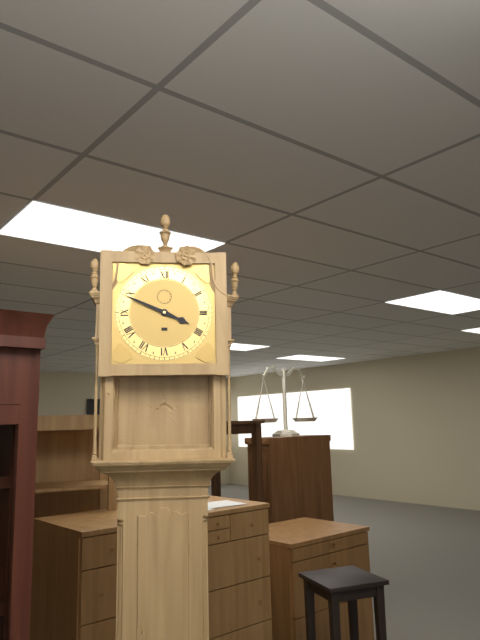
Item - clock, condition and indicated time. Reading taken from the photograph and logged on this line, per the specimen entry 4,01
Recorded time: 3,49
